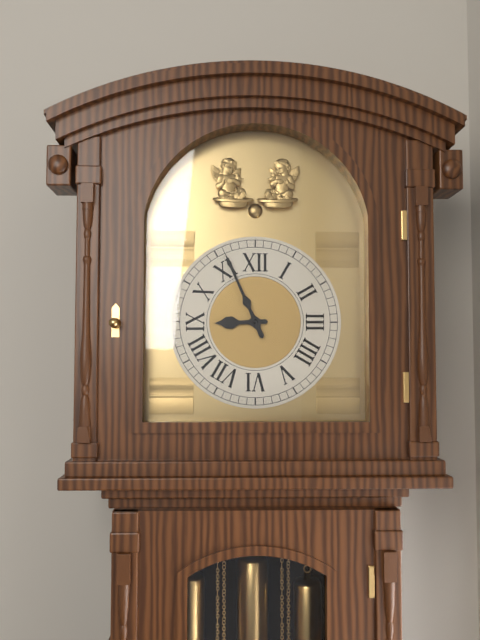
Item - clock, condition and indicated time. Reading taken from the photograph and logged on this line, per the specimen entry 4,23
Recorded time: 8,56
